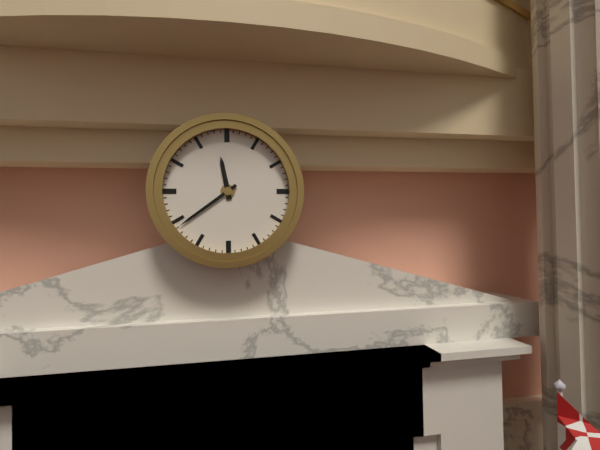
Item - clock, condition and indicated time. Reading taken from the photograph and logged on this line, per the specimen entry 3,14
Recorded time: 11,39
